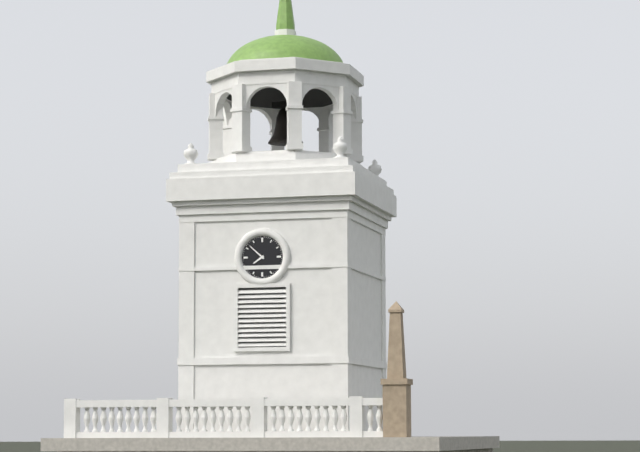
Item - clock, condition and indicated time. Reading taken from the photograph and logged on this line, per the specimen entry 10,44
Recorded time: 7,52
